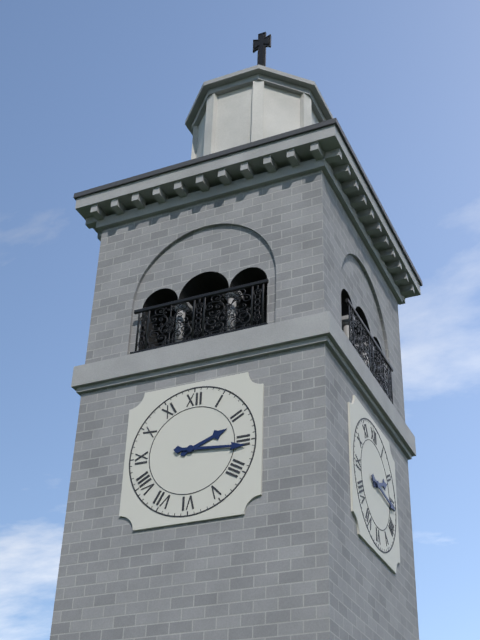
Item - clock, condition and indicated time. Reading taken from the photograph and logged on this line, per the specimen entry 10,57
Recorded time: 2,16
